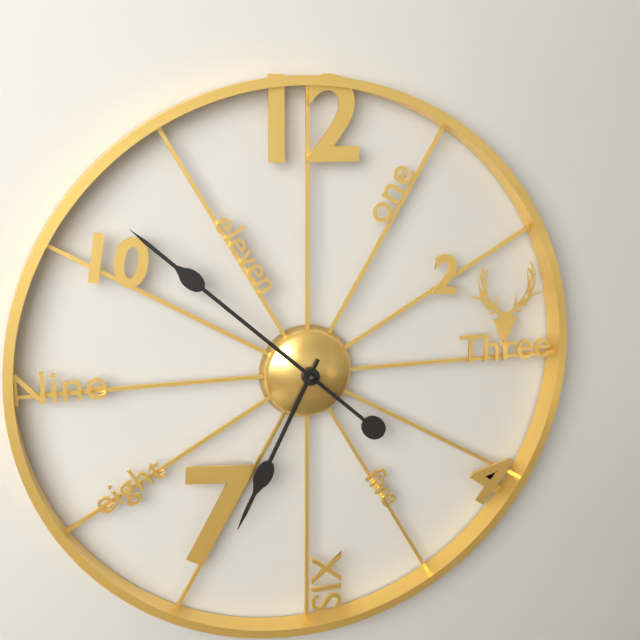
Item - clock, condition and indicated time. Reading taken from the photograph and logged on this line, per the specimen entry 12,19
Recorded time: 6,52
